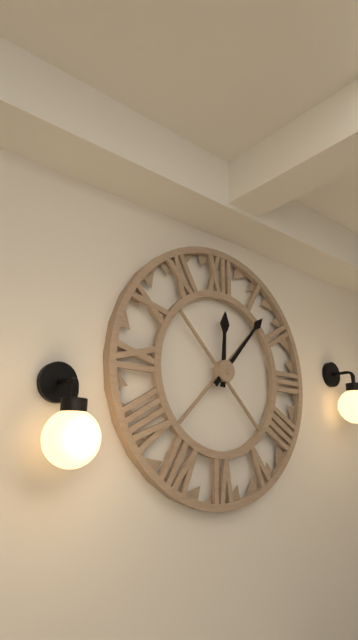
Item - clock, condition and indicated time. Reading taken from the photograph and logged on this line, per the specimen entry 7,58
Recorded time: 12,07
